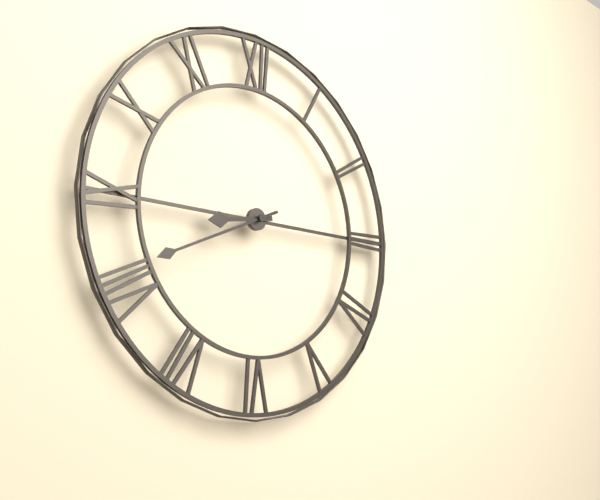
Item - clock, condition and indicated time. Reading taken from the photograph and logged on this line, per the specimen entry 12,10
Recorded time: 8,41
